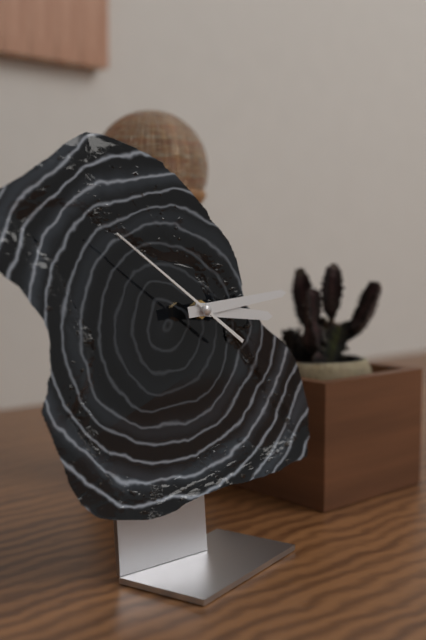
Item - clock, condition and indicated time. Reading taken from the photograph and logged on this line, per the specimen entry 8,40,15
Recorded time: 3,14,51
